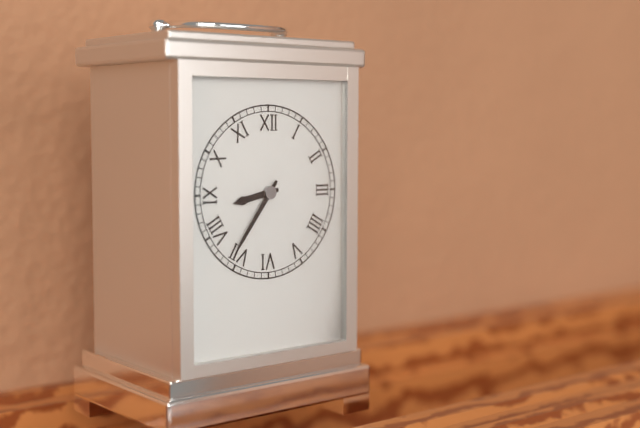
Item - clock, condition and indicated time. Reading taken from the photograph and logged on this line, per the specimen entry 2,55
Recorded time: 8,36
